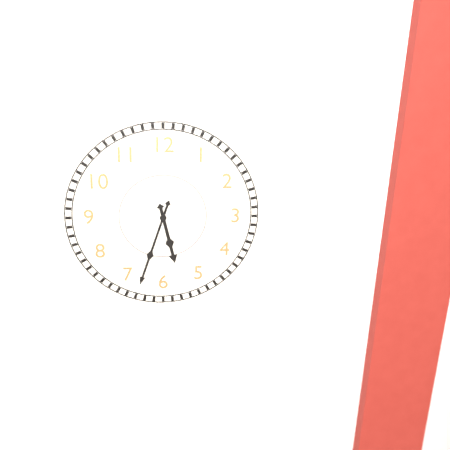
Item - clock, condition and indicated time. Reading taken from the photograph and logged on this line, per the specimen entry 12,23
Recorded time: 5,33
